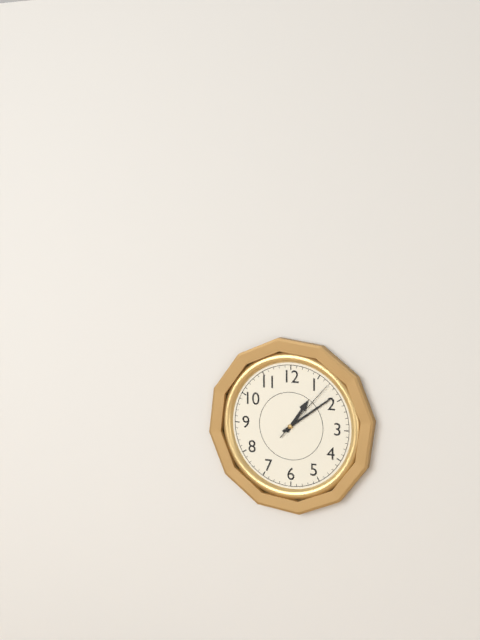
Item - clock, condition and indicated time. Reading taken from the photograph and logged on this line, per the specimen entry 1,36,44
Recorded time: 1,09,07
